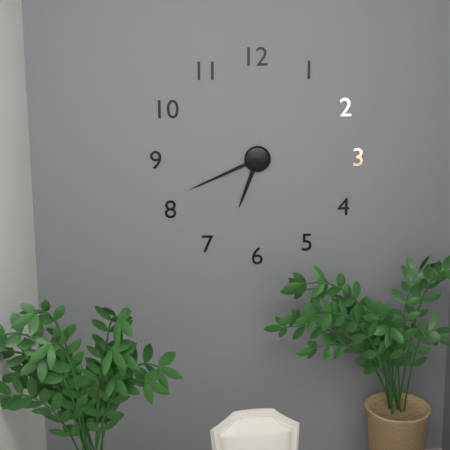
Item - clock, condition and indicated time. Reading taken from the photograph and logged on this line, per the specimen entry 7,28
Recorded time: 6,41
